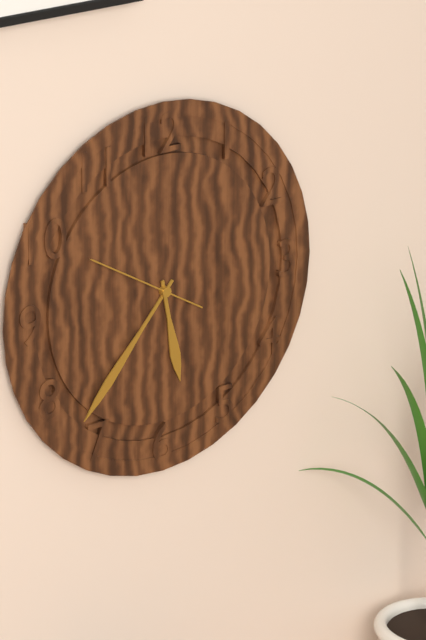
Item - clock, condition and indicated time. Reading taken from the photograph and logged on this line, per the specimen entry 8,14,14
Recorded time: 5,37,50
